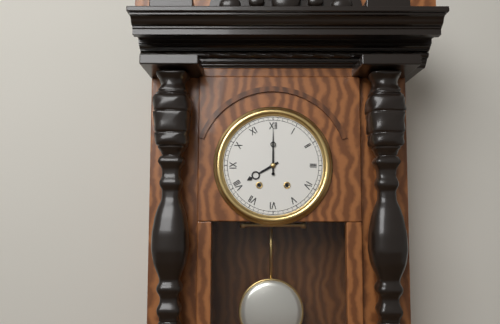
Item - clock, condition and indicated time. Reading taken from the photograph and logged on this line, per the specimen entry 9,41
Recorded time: 8,00
